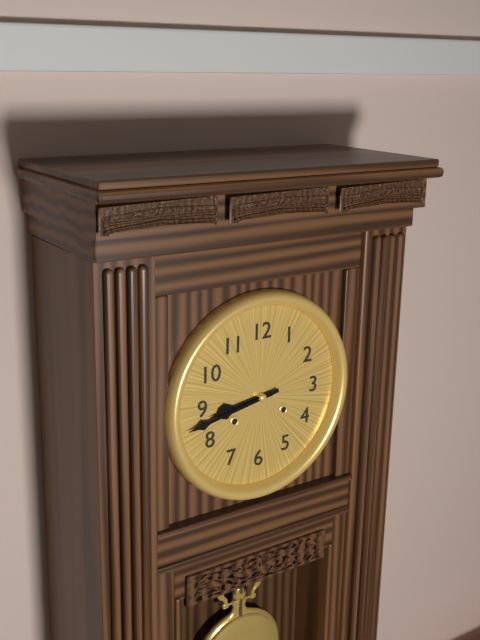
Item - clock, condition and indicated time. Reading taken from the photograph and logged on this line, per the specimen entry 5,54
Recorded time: 8,43
